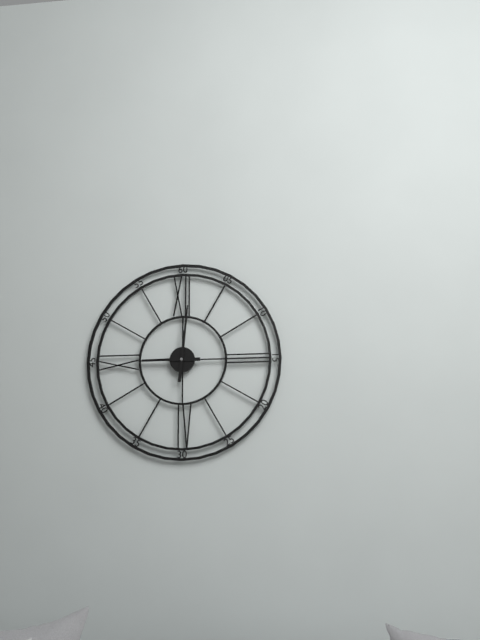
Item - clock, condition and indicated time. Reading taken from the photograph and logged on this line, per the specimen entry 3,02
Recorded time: 9,01
